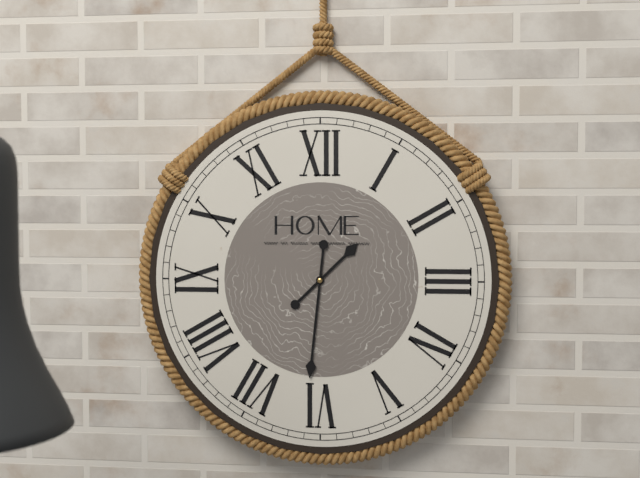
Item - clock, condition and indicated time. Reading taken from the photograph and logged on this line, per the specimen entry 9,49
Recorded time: 1,31
